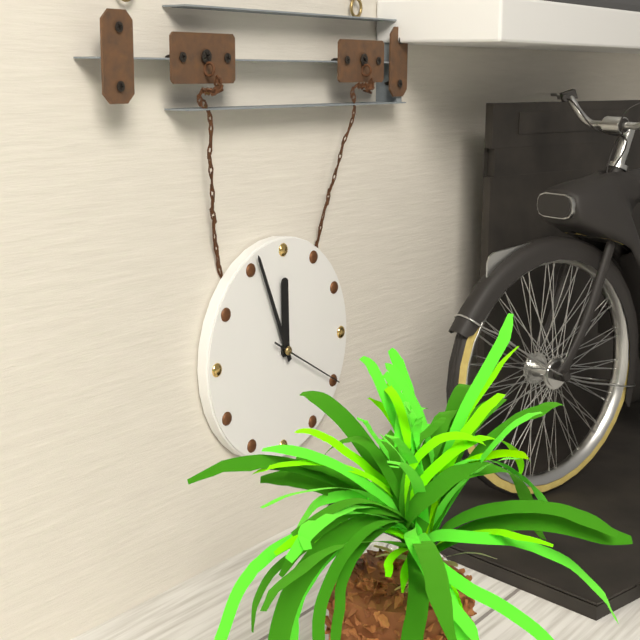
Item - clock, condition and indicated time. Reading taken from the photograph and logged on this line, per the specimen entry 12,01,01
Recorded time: 11,56,20
